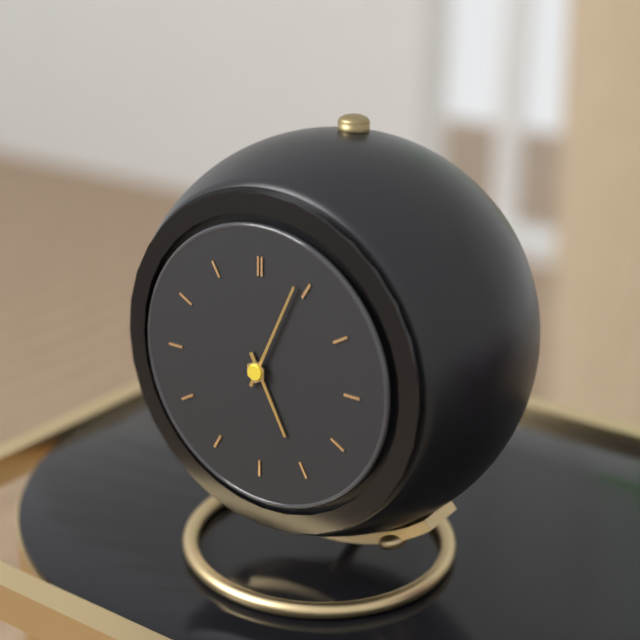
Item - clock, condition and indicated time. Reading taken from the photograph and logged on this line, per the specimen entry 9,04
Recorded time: 5,04
